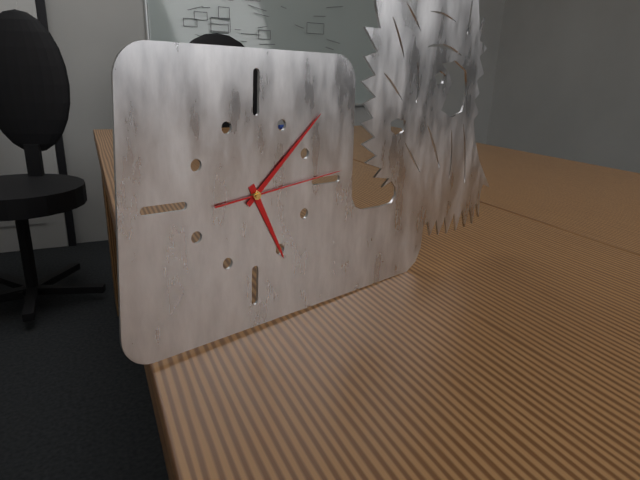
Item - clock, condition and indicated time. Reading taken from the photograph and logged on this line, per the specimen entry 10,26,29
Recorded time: 5,08,14
